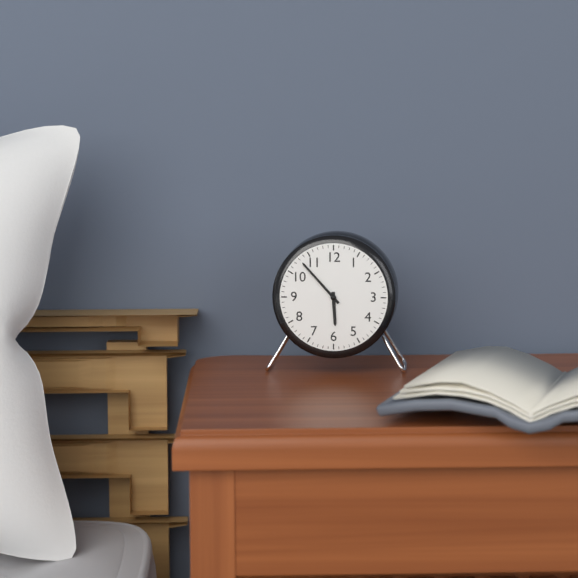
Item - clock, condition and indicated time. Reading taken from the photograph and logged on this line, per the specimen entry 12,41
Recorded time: 5,53
